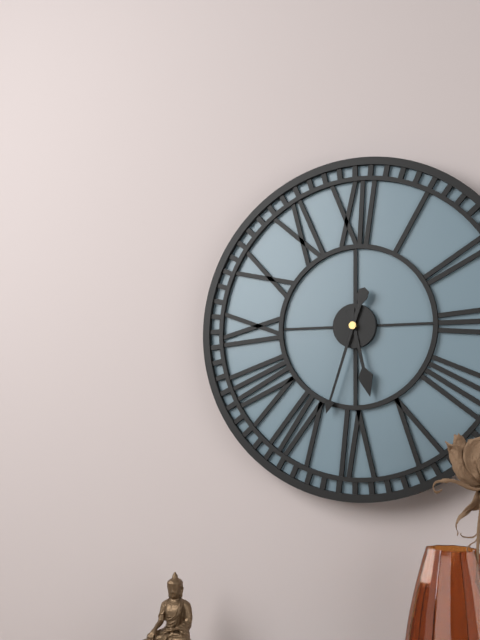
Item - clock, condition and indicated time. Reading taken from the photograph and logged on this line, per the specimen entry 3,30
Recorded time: 5,33
